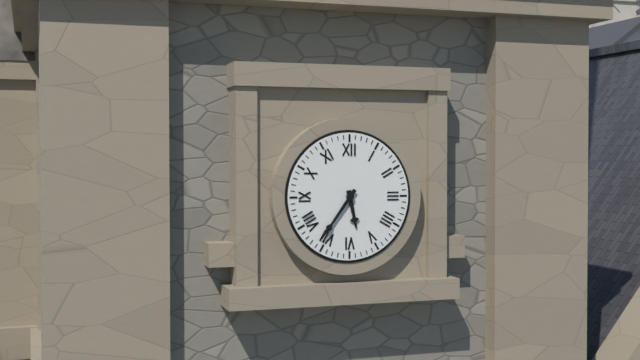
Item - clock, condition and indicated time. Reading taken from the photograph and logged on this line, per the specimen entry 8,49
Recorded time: 5,36
